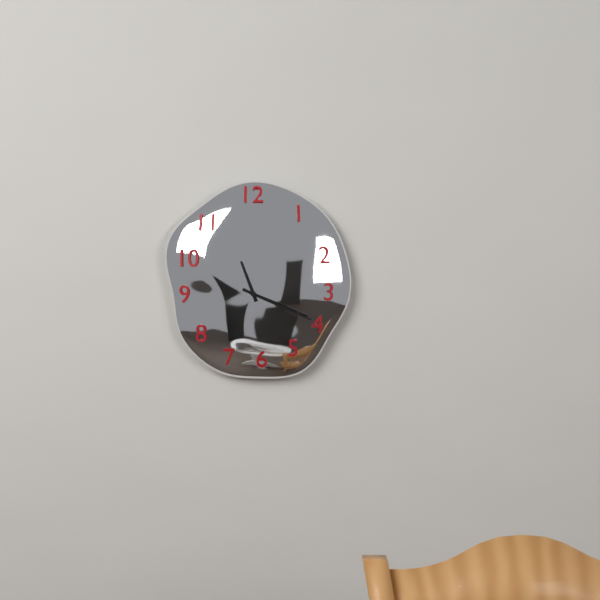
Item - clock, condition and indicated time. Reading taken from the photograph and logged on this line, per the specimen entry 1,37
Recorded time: 11,19
